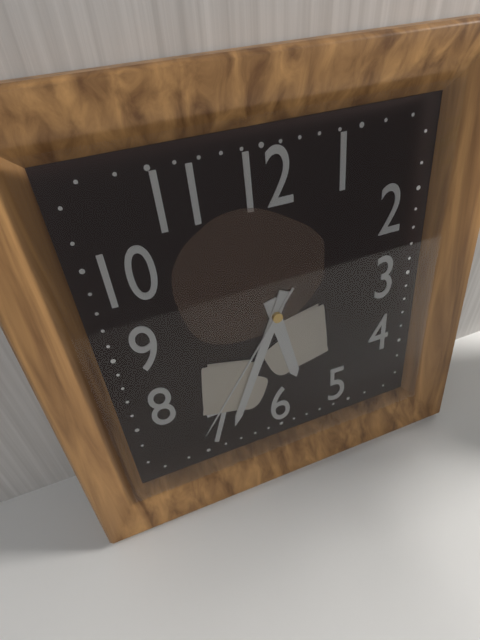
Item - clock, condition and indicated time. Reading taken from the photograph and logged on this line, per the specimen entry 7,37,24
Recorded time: 5,34,36
